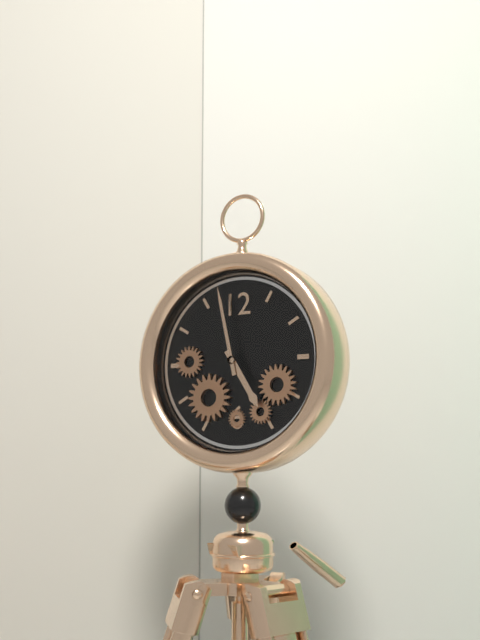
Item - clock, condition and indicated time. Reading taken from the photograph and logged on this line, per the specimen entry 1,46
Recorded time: 4,58
